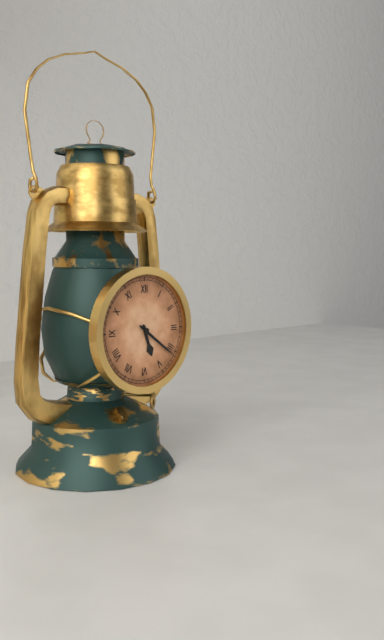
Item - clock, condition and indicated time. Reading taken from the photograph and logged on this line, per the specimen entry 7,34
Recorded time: 5,21
